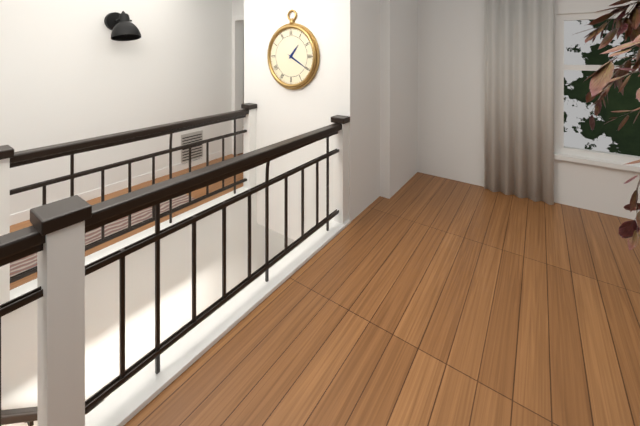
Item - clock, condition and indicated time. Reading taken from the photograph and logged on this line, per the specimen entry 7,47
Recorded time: 1,20
